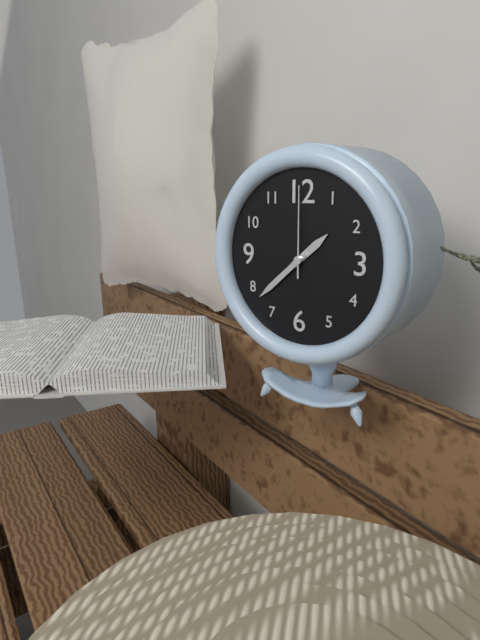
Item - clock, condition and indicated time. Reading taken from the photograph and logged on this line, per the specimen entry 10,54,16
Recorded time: 1,38,00
